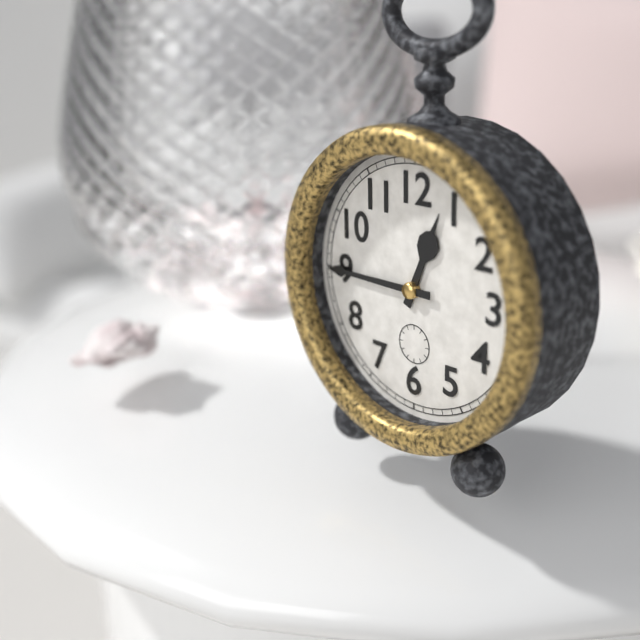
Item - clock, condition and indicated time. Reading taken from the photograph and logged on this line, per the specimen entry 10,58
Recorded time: 12,45
